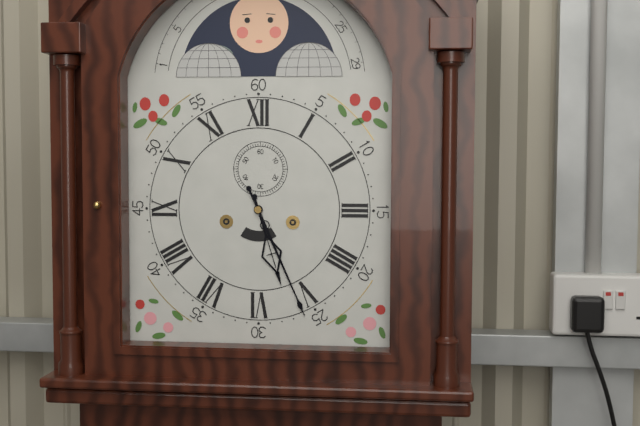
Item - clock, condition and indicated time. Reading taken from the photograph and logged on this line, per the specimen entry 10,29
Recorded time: 5,26
